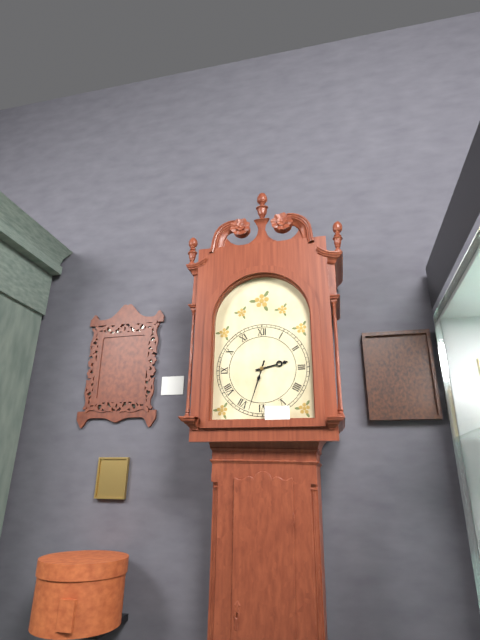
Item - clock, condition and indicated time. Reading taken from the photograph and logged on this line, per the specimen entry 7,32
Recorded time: 2,33
